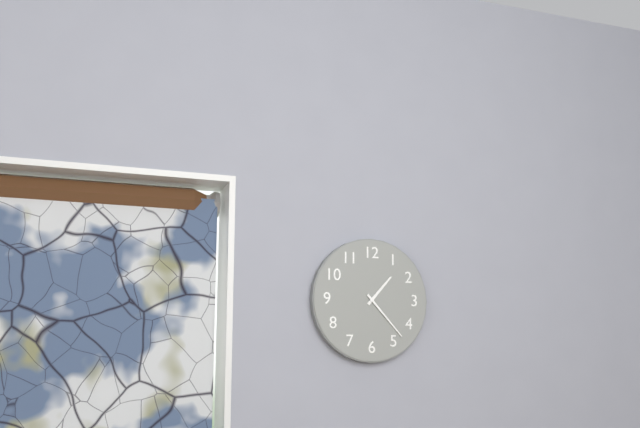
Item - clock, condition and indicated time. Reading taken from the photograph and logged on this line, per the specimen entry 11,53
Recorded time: 1,23
